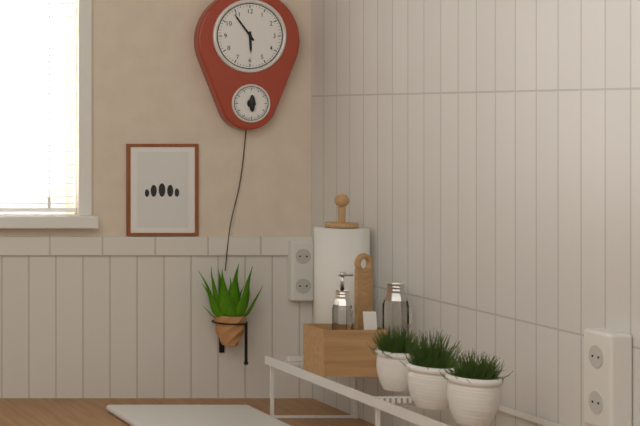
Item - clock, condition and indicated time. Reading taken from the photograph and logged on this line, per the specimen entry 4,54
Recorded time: 5,54
